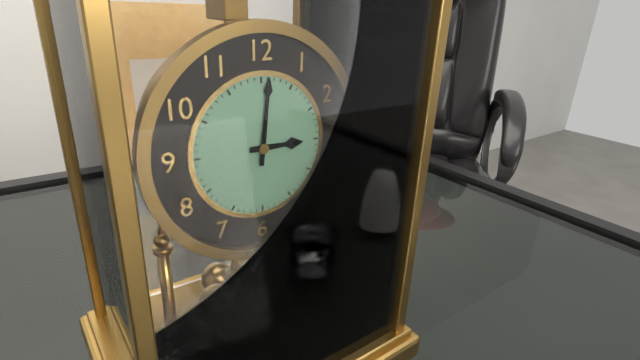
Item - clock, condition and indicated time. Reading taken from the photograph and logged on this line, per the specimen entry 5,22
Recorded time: 3,01
